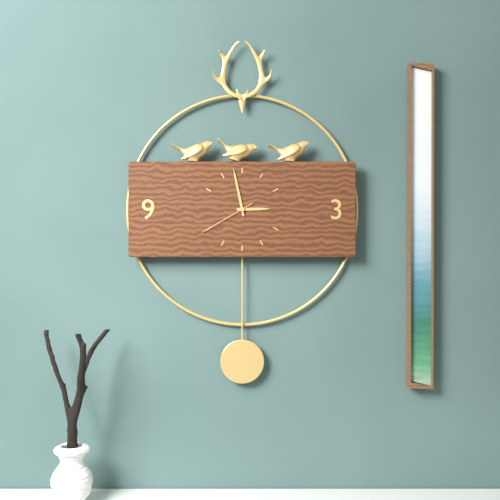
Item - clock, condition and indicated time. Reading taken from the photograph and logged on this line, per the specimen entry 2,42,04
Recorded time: 2,58,40
